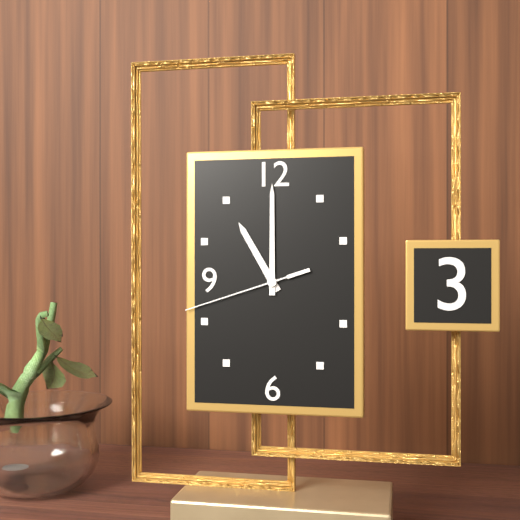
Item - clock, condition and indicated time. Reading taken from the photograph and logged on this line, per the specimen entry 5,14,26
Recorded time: 11,00,42
